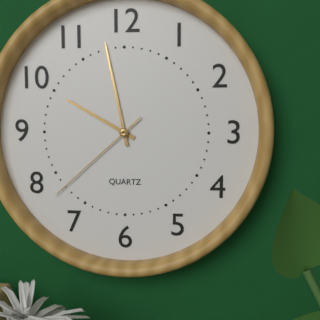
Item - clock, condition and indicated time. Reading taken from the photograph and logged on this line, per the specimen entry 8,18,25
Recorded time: 9,58,38
